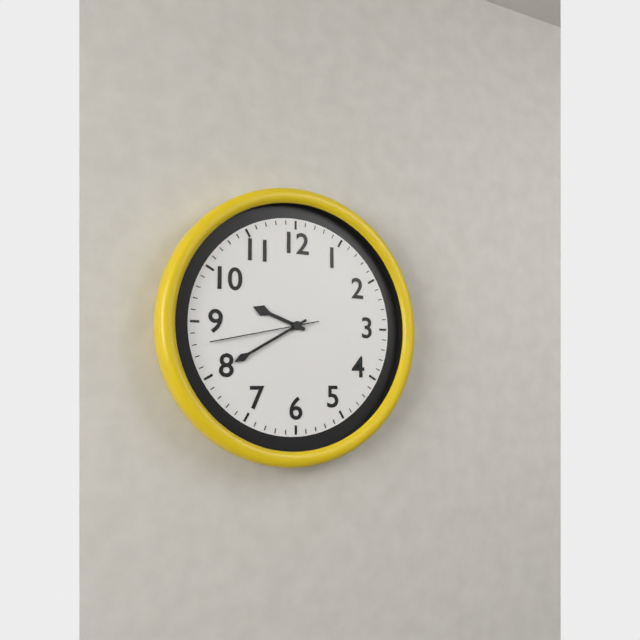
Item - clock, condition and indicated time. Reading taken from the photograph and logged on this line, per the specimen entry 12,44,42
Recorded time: 9,40,43
